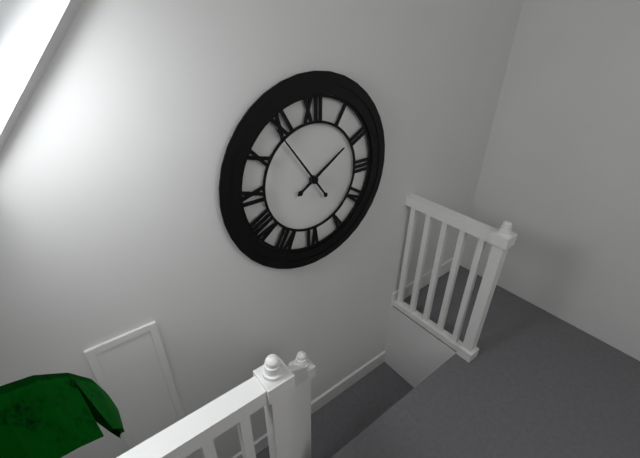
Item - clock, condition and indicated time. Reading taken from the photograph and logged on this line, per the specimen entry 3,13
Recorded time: 1,54
